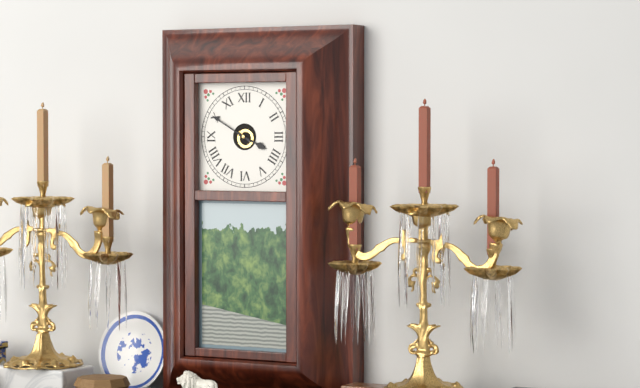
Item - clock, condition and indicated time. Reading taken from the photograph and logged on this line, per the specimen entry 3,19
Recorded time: 3,50
